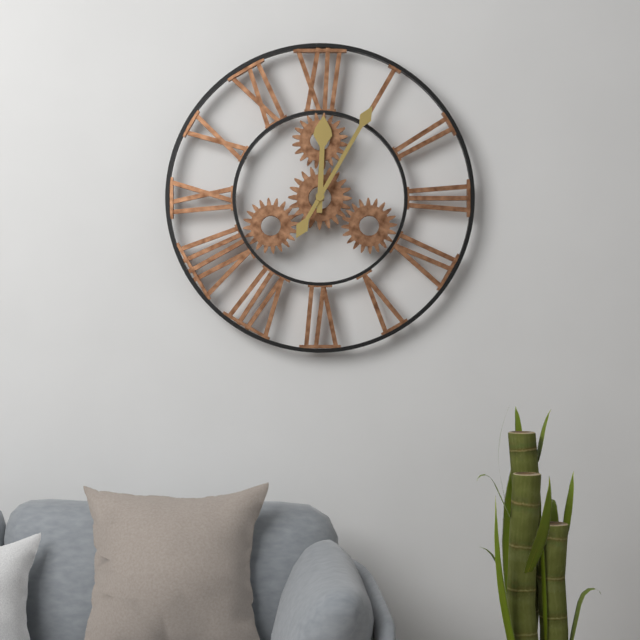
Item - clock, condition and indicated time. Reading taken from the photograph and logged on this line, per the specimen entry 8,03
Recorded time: 12,05
